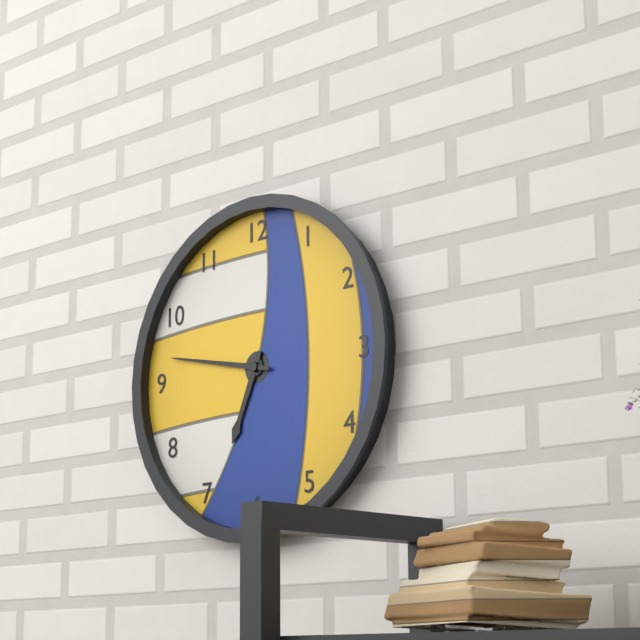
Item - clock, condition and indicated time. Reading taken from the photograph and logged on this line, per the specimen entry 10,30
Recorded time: 6,47
